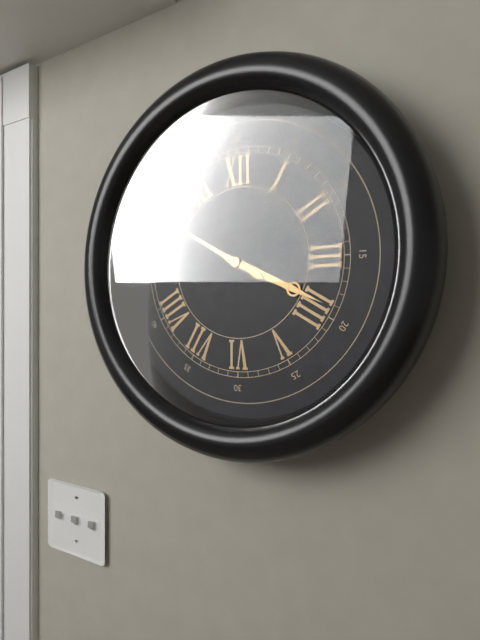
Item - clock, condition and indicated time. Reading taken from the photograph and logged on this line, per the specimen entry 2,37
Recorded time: 3,50
